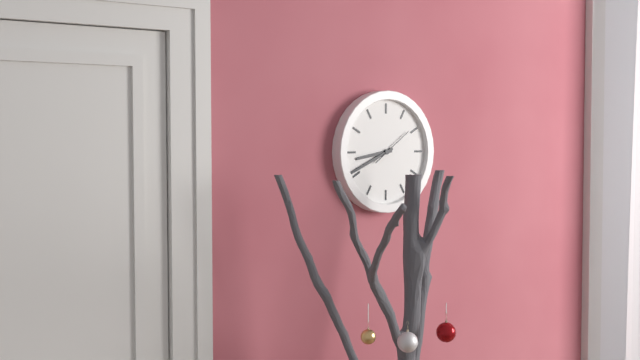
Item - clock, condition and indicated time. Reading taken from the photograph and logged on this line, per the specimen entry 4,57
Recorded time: 8,41
